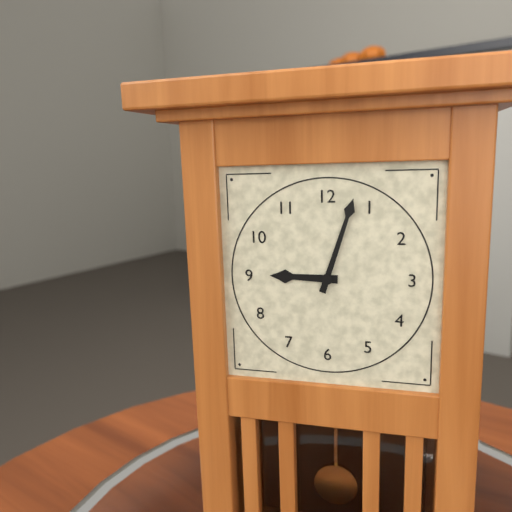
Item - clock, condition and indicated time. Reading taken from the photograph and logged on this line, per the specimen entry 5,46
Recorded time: 9,03
